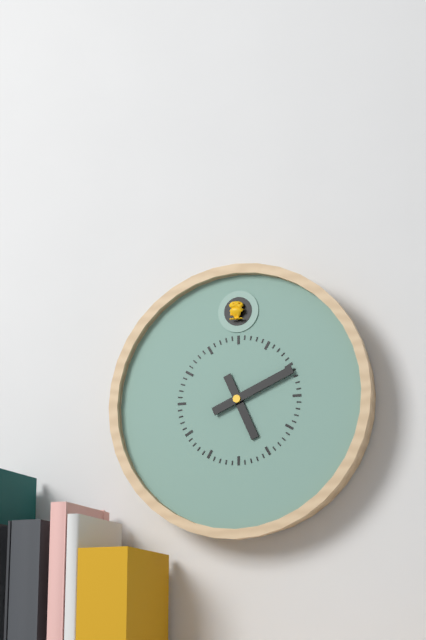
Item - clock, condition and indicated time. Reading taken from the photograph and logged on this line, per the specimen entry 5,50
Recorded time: 5,11
